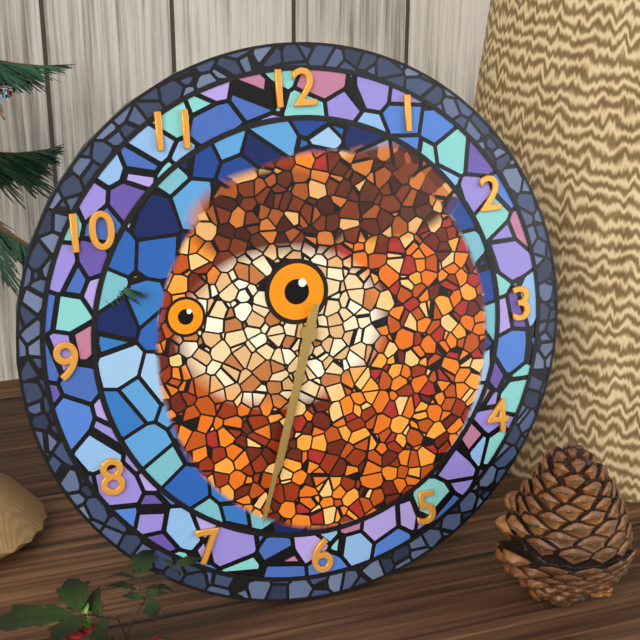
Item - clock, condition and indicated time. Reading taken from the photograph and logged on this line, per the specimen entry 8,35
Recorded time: 6,33
